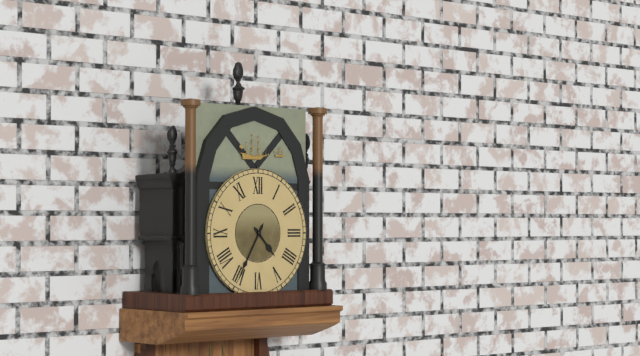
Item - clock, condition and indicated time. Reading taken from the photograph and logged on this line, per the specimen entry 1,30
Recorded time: 4,35
